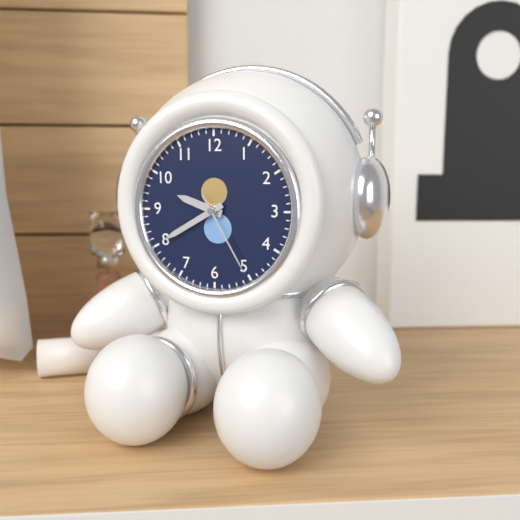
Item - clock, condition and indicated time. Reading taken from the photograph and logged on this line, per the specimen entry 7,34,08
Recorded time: 9,40,25
